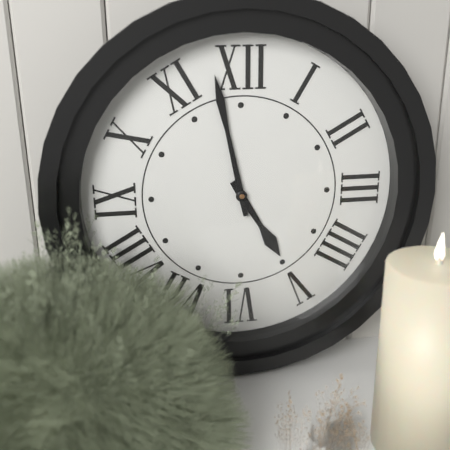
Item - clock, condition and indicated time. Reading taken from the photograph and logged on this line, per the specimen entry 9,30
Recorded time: 4,58
